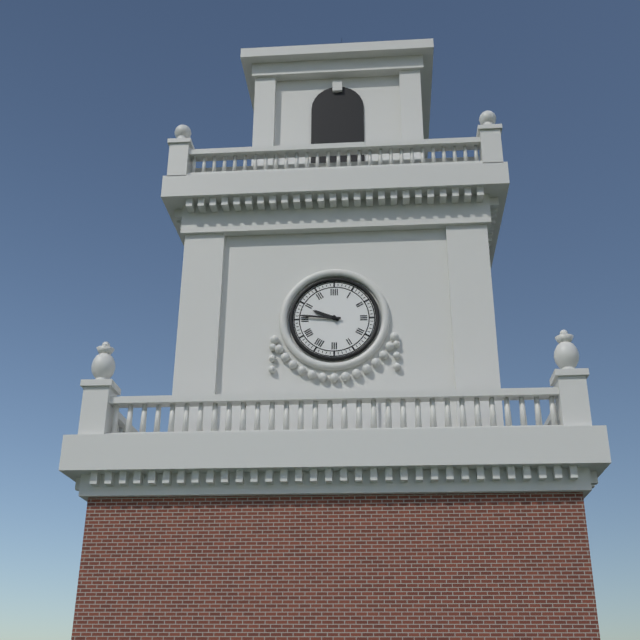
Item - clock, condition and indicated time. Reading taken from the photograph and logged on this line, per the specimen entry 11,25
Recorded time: 9,46
